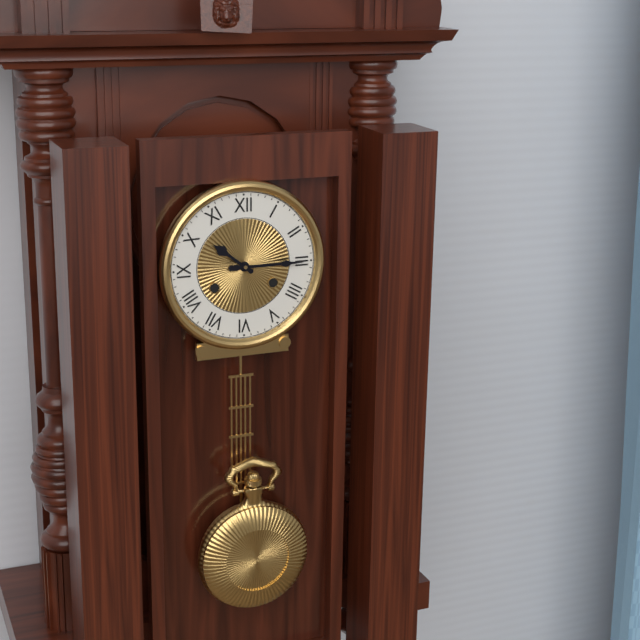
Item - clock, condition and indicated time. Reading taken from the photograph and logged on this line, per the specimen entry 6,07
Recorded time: 10,15
